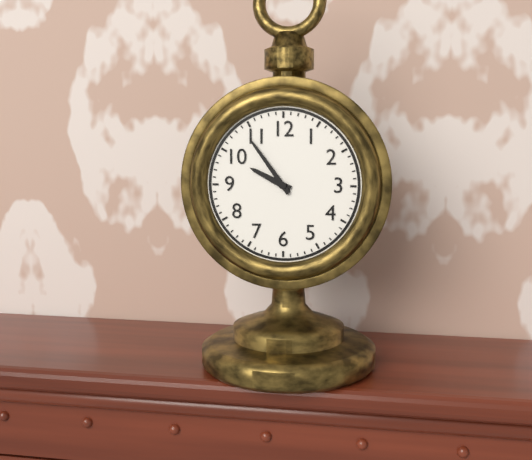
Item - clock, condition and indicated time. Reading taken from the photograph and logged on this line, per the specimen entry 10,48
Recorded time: 9,54
